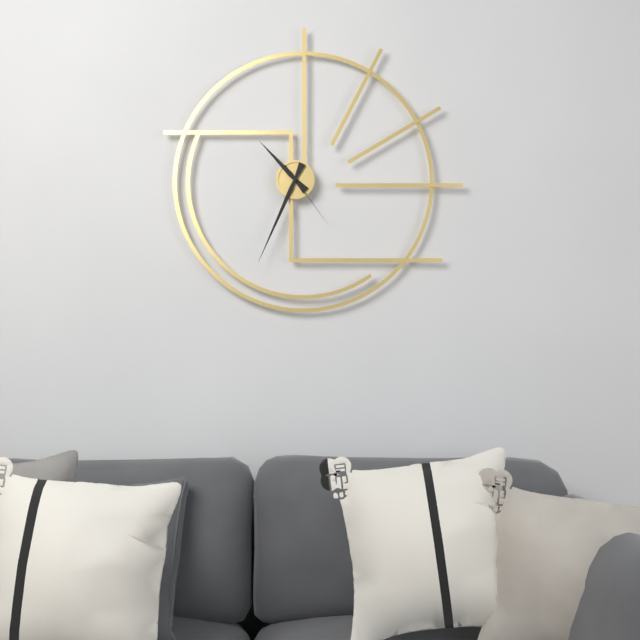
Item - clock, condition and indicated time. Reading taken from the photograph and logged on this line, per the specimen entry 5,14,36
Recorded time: 10,34,24
